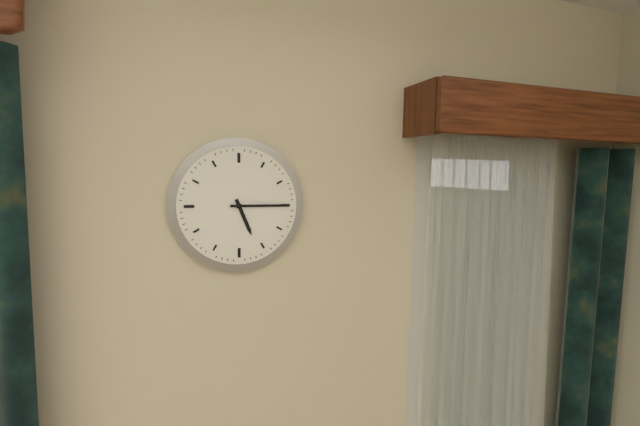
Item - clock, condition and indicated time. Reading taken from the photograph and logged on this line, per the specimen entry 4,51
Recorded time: 5,15
